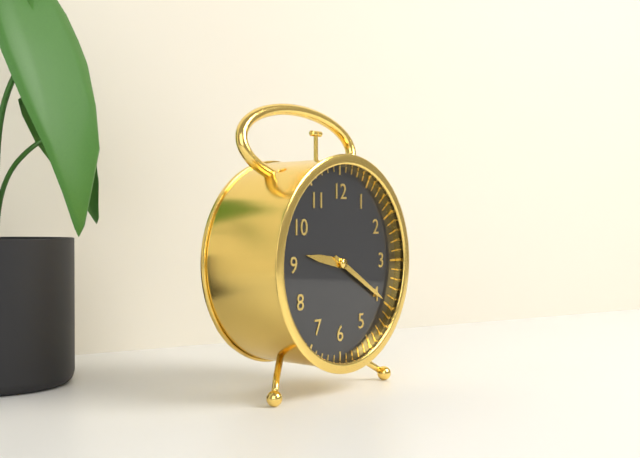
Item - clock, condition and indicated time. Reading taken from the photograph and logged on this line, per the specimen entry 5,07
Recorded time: 9,20
